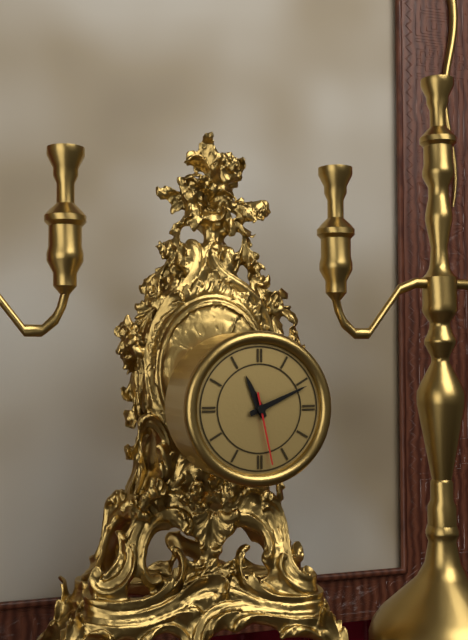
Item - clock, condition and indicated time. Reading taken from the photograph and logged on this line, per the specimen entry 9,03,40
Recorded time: 11,11,28
